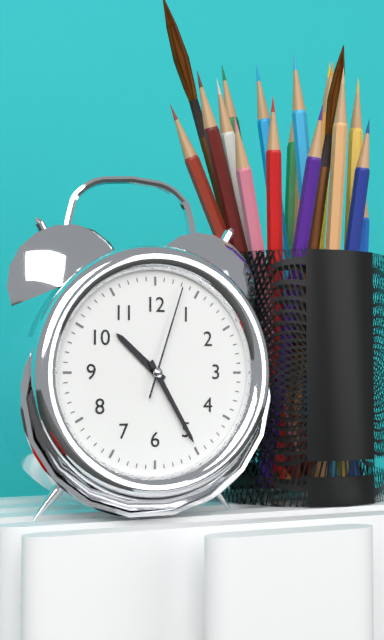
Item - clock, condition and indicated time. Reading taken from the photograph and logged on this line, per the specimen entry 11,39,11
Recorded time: 10,25,03
